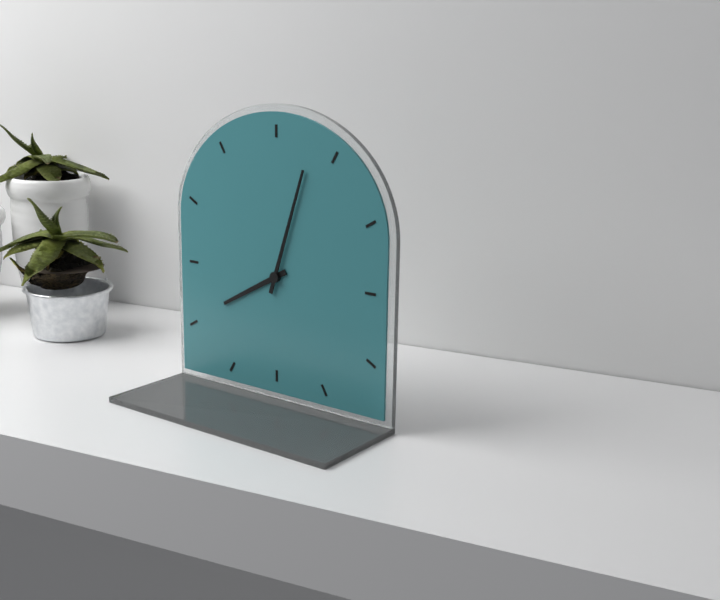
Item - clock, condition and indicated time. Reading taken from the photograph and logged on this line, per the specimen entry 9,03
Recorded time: 8,03
